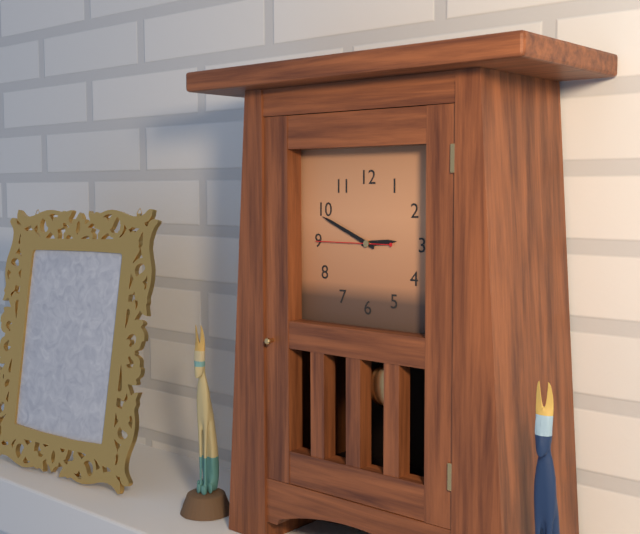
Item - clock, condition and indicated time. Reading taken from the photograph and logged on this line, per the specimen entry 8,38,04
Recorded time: 2,49,45
